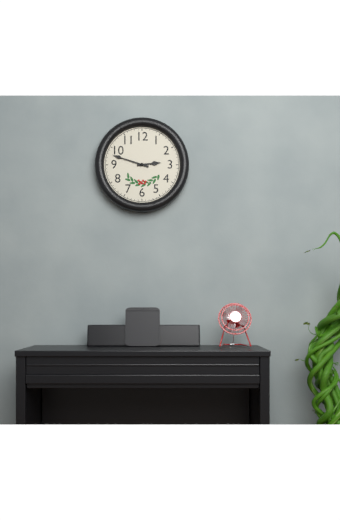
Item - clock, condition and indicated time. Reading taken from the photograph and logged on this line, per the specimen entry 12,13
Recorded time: 2,48
